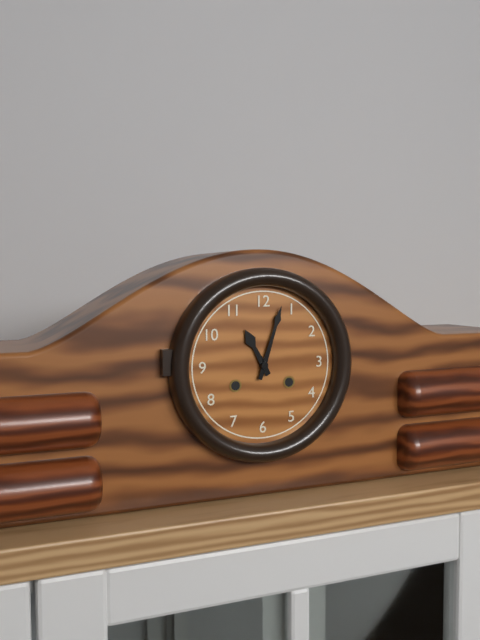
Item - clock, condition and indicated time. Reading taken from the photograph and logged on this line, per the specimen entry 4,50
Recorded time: 11,03
